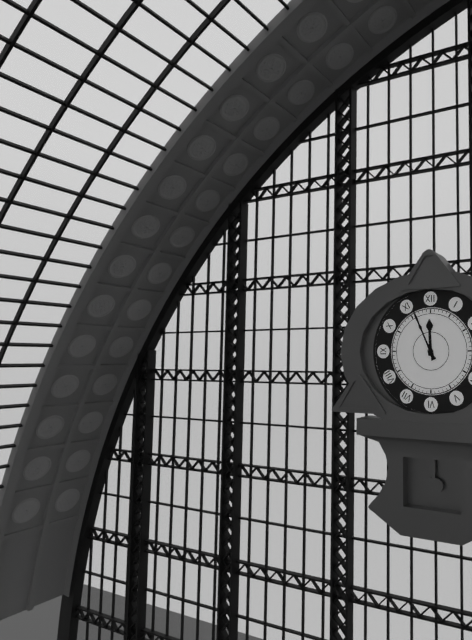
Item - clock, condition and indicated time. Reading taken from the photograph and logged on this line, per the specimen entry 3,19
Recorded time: 11,56
